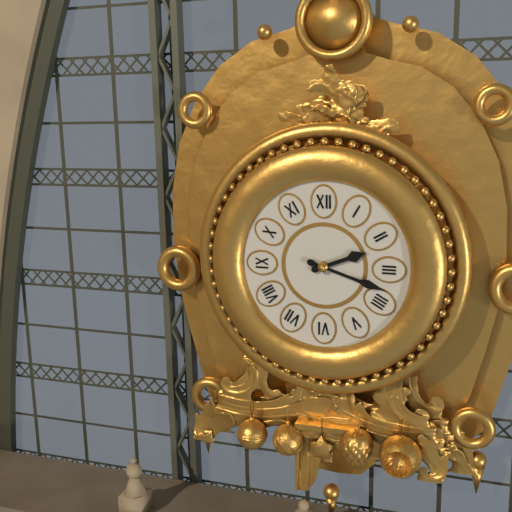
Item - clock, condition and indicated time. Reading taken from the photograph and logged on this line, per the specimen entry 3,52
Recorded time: 2,18
